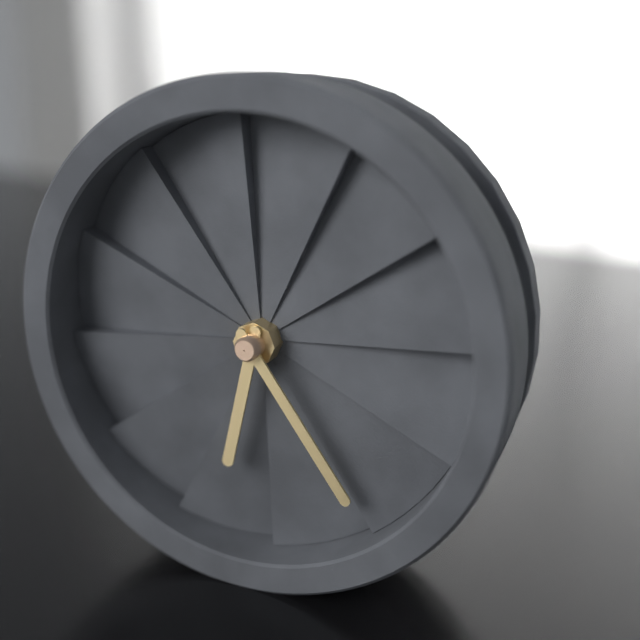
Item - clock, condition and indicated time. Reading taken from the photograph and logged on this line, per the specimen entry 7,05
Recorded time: 6,24
